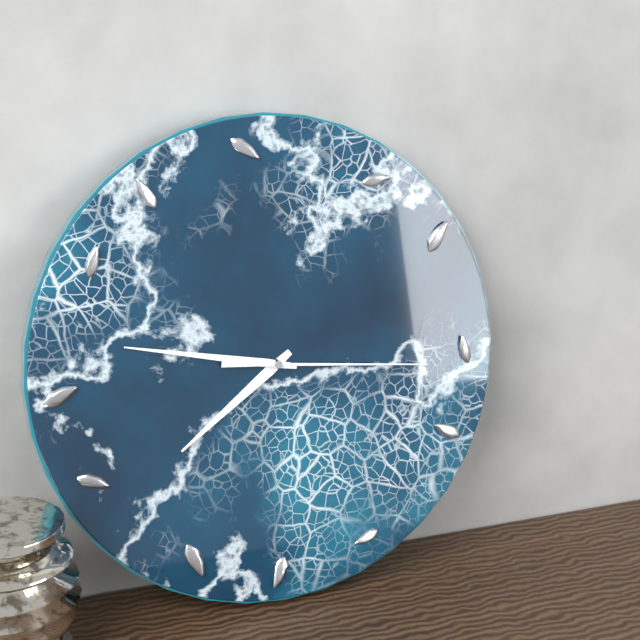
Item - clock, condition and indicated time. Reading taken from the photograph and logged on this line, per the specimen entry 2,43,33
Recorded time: 7,47,16
